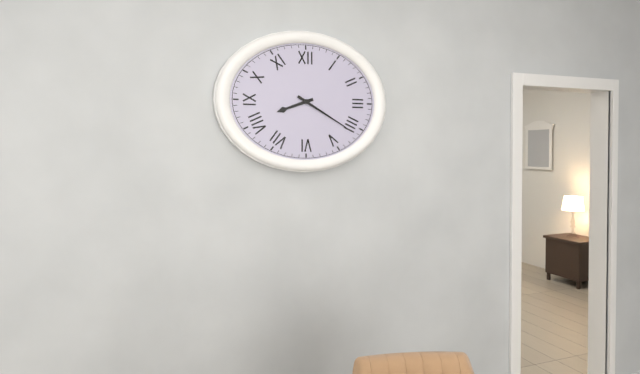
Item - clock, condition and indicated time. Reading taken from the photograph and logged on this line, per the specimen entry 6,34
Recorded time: 8,20
